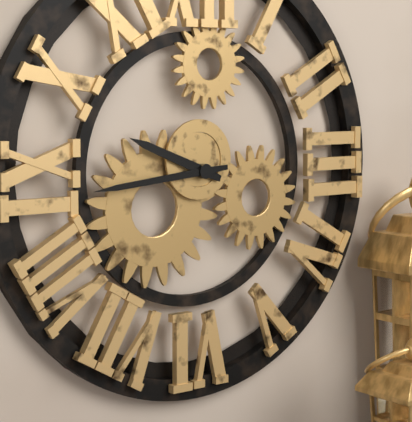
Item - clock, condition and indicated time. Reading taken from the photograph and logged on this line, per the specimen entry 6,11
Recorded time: 9,44
